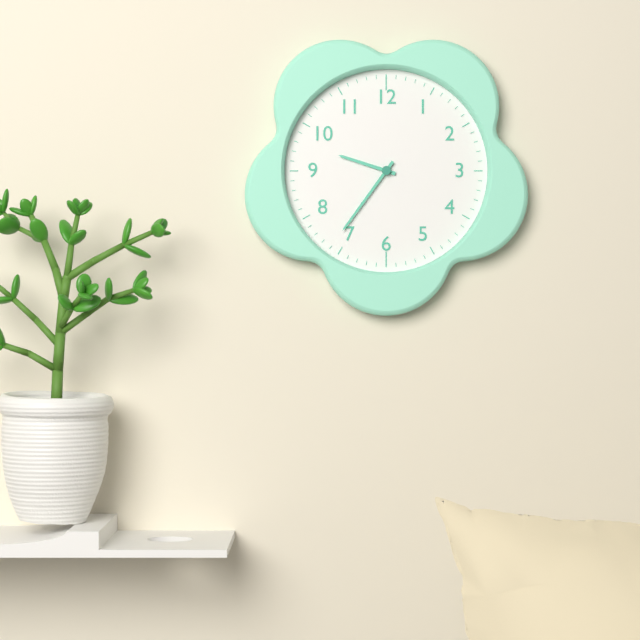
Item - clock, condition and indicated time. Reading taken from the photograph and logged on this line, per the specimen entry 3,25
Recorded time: 9,36
